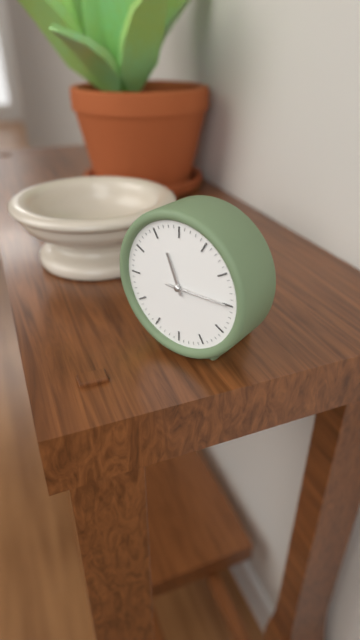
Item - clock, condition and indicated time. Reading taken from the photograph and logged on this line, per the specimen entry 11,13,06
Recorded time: 11,15,15
